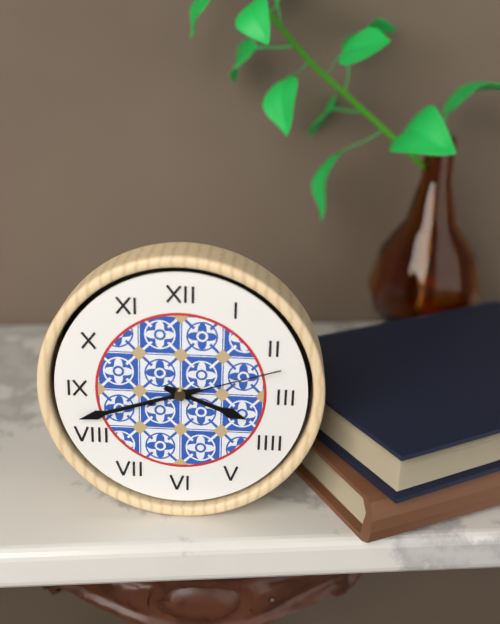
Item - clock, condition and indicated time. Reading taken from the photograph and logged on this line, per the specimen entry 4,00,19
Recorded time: 3,42,12
